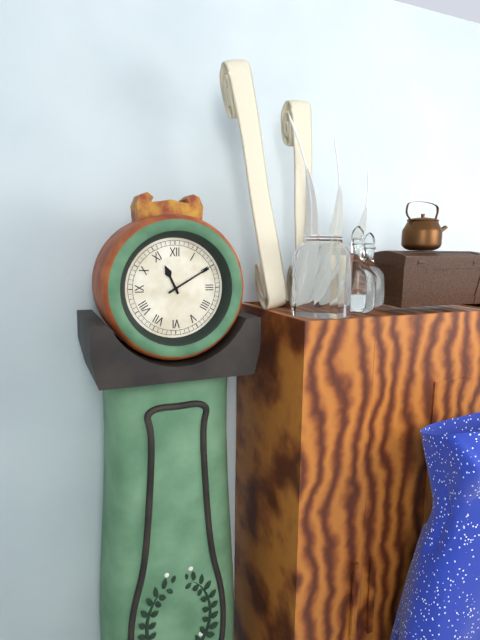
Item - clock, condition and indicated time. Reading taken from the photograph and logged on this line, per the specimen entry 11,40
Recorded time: 11,10
